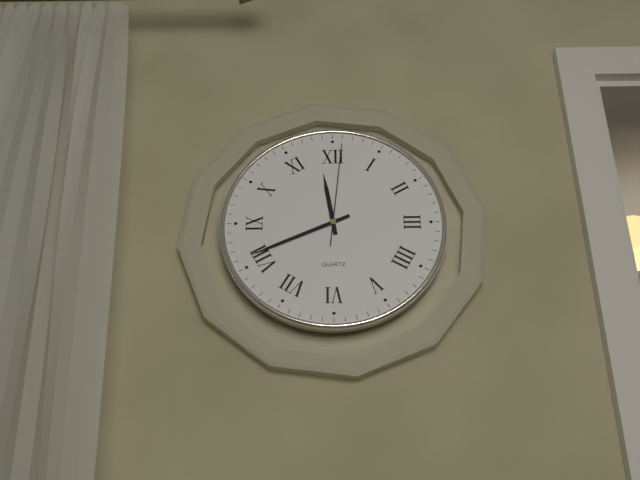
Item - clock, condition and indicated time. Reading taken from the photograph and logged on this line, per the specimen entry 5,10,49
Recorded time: 11,41,01
